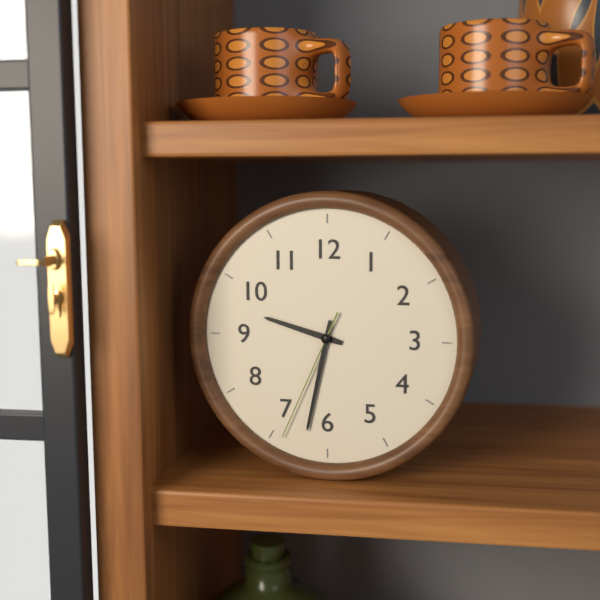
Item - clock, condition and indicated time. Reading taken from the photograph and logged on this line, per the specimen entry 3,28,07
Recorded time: 9,32,34
